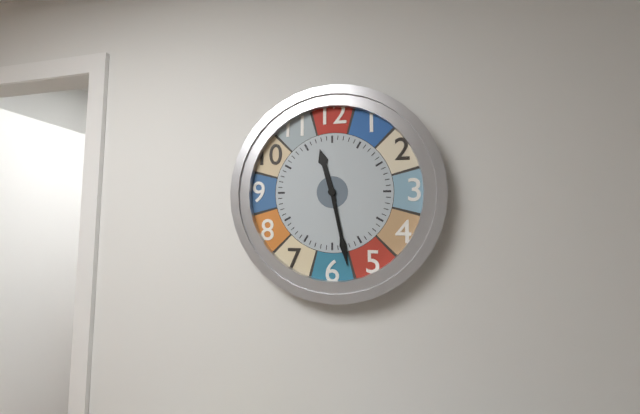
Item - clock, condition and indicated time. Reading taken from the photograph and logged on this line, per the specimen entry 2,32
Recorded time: 11,28
